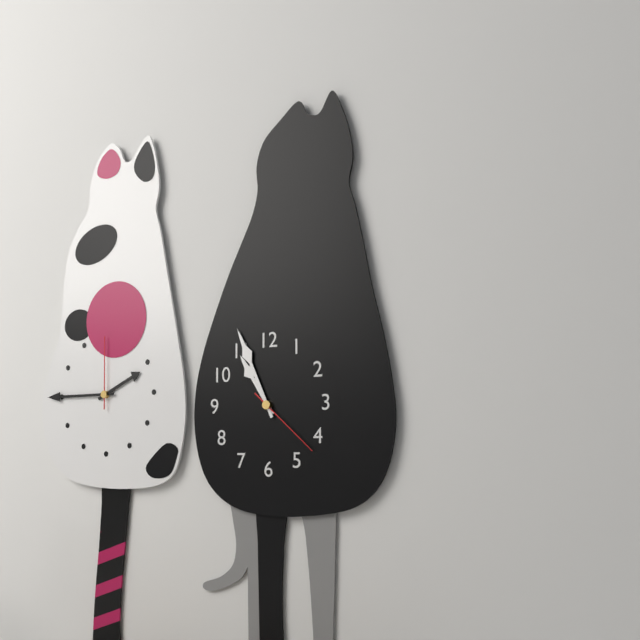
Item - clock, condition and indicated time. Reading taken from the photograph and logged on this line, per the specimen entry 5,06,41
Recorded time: 10,56,22
